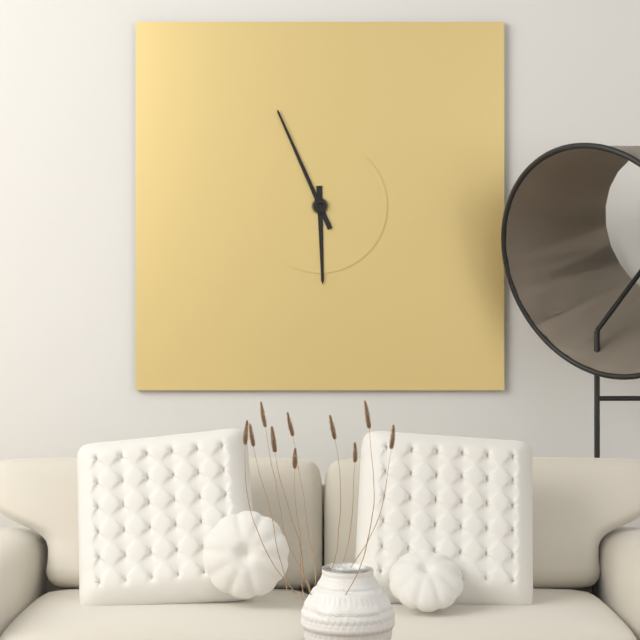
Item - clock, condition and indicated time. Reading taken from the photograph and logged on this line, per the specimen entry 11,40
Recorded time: 5,56
